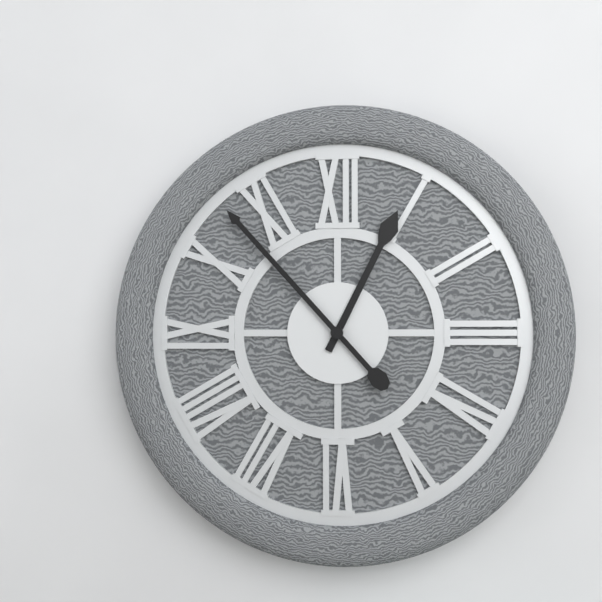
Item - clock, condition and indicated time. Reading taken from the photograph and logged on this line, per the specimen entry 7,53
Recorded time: 12,53
